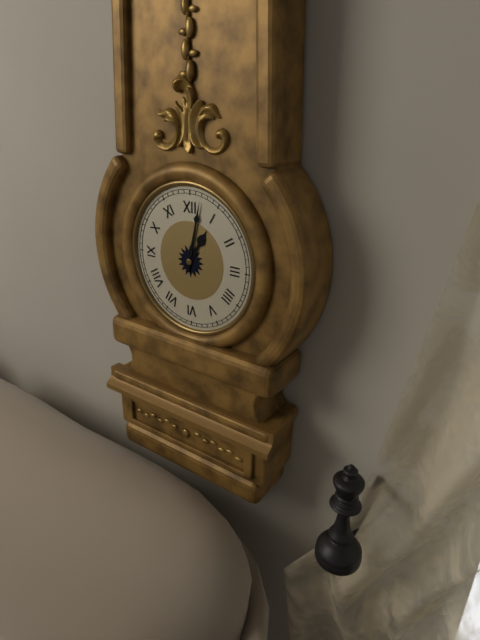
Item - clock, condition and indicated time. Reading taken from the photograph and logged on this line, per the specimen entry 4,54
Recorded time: 1,02
